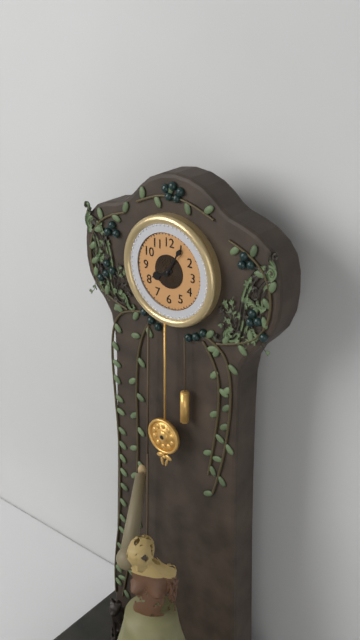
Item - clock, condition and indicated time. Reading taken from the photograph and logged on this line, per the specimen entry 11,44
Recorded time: 8,05
